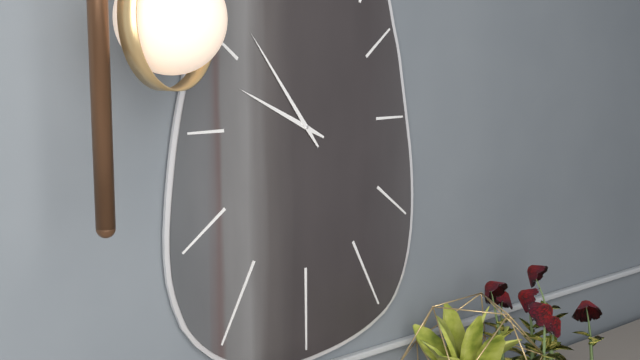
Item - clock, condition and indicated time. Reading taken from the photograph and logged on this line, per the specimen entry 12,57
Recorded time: 9,54
